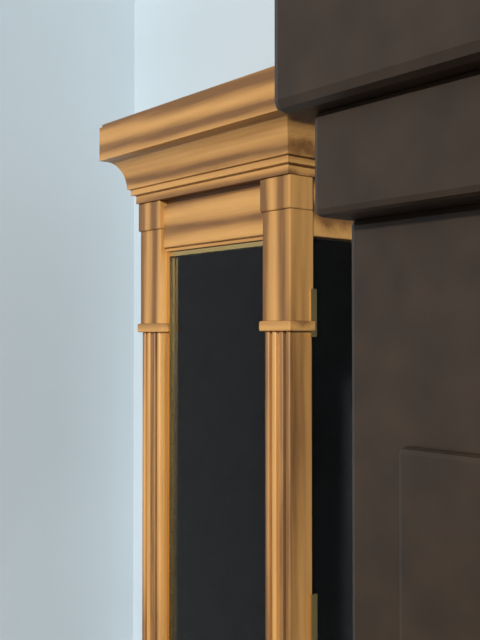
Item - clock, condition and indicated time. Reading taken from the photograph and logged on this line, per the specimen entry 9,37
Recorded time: 6,53
